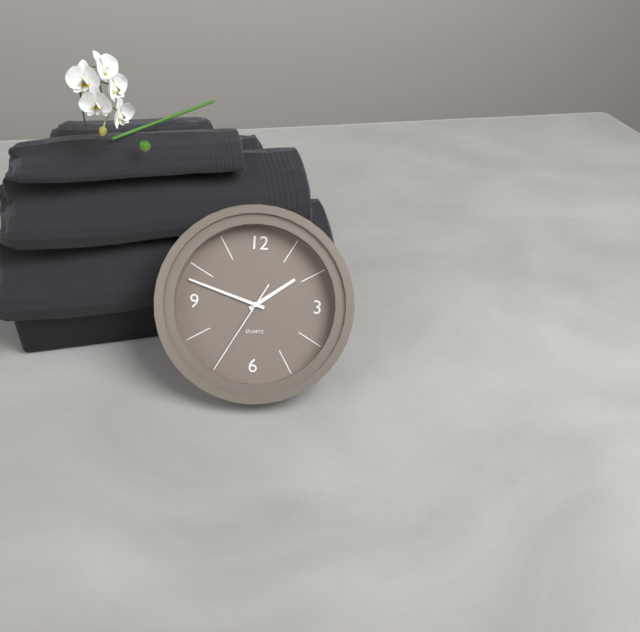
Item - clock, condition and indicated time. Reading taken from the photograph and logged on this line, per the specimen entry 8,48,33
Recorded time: 1,48,35
